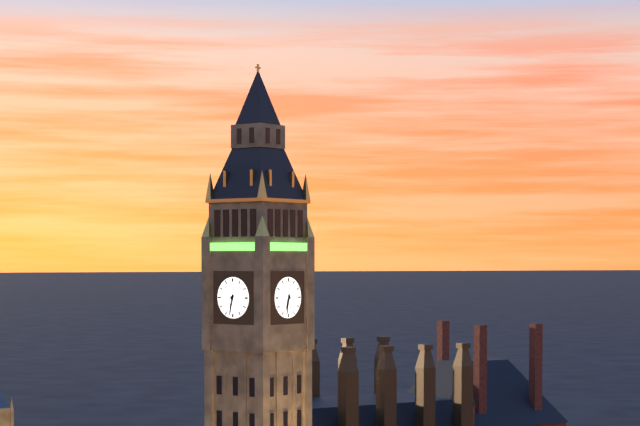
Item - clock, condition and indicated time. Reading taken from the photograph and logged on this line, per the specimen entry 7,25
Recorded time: 6,32
